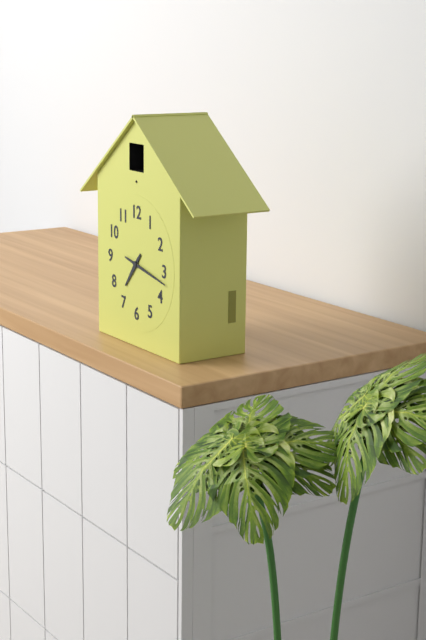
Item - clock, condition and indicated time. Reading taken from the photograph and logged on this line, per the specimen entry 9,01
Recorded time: 7,17
